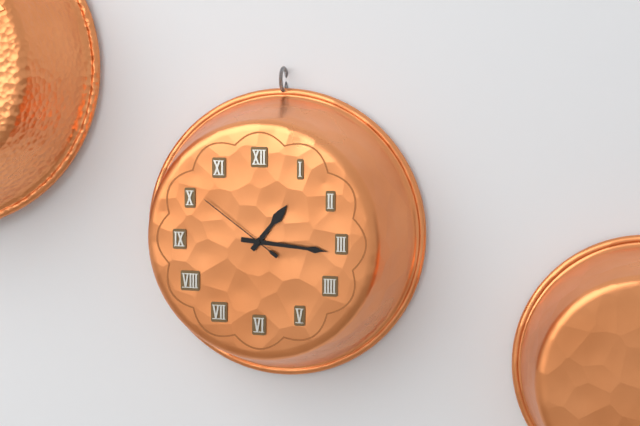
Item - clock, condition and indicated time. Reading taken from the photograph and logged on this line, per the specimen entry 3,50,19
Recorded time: 1,16,51
